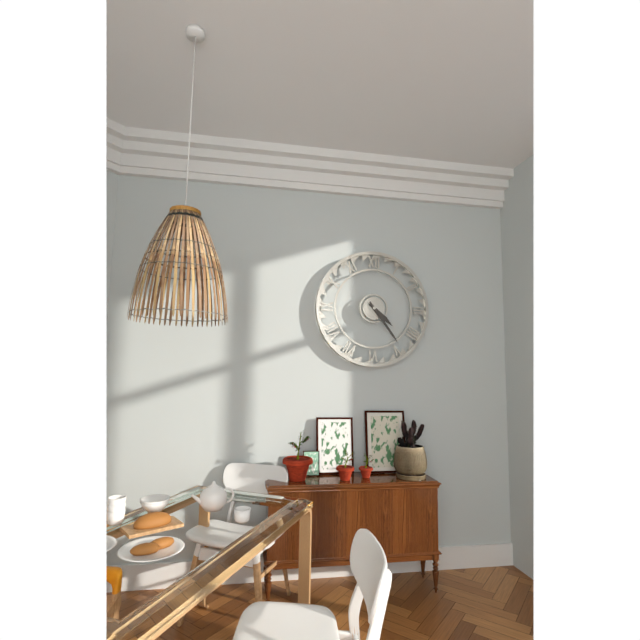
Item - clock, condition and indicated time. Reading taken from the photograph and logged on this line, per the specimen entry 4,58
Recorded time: 4,24
